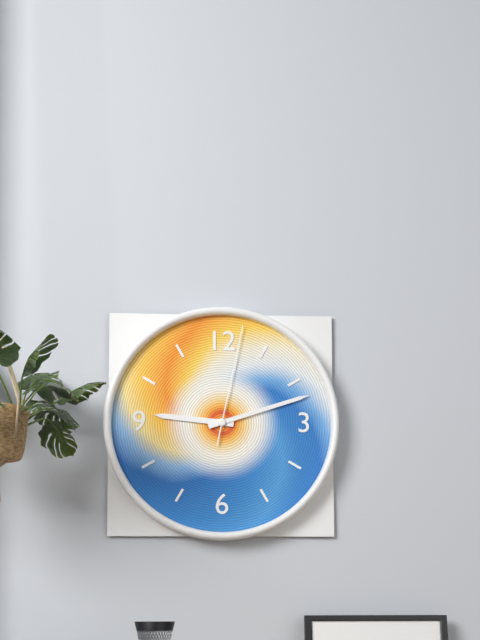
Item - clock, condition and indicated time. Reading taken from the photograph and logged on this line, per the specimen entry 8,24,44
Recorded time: 9,12,02
